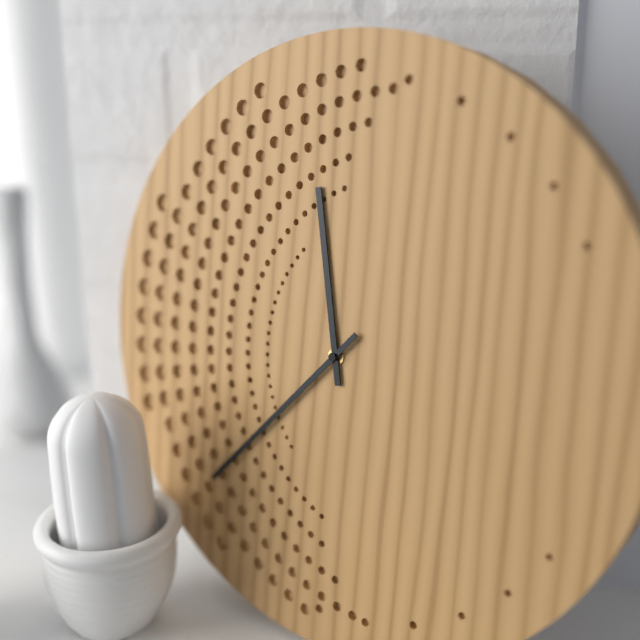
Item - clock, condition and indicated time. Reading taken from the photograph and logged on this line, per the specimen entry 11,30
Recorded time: 11,37
